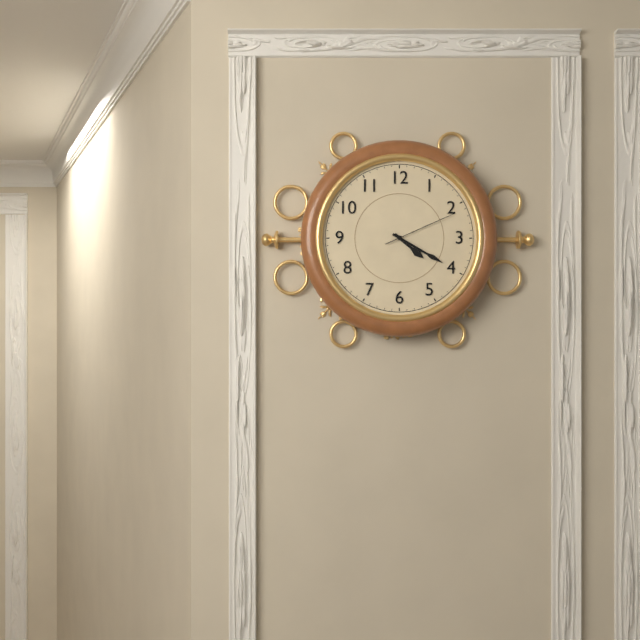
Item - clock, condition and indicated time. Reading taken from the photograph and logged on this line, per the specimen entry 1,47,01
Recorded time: 4,20,11
